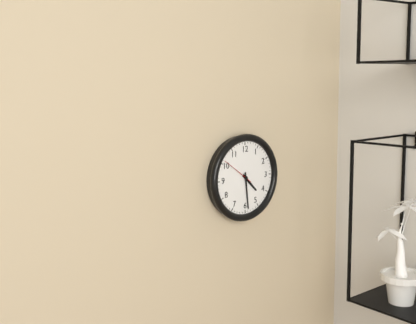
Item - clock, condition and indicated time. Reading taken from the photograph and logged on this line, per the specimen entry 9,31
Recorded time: 4,29
